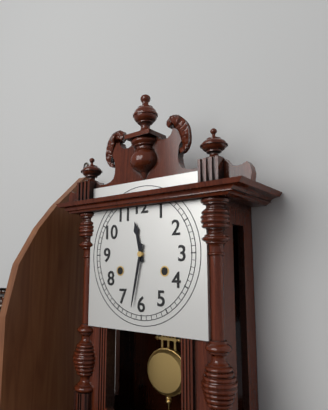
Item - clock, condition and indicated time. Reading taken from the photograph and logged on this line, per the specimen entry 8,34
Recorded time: 11,32
